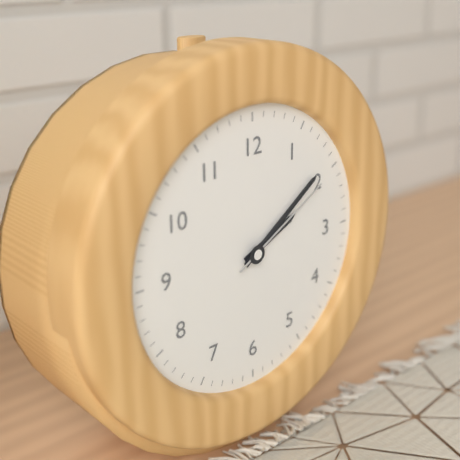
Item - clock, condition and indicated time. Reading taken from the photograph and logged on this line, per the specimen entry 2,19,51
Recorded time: 2,09,10
